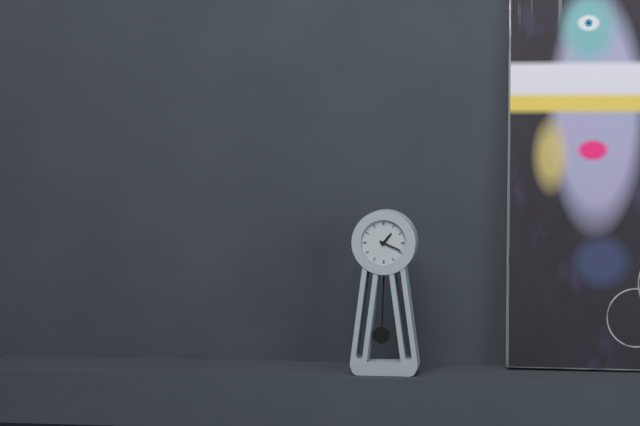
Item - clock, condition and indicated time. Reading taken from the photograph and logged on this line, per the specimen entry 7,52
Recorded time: 1,19
